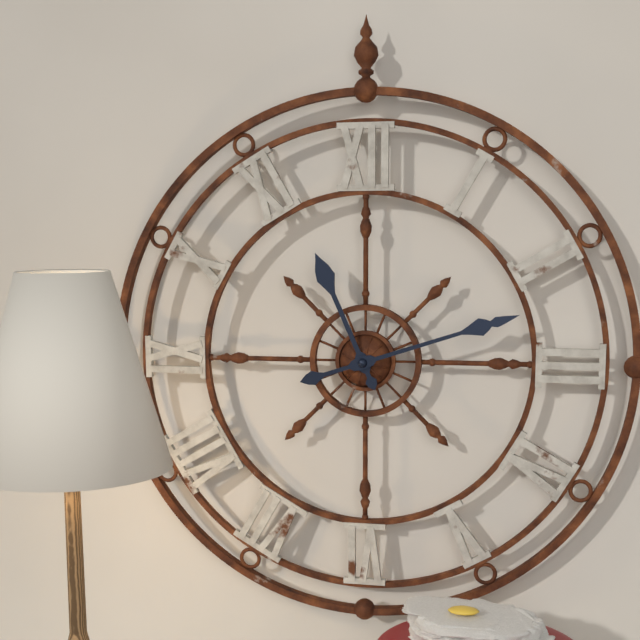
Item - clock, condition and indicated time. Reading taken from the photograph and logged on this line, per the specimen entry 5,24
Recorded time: 11,12
